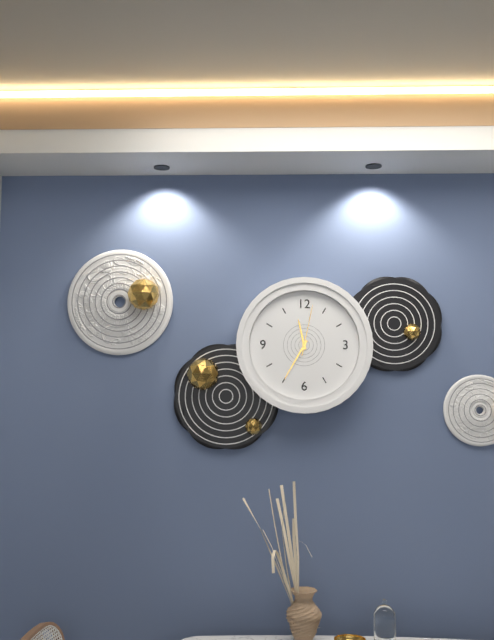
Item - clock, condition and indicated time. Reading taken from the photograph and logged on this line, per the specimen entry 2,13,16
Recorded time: 11,35,02
